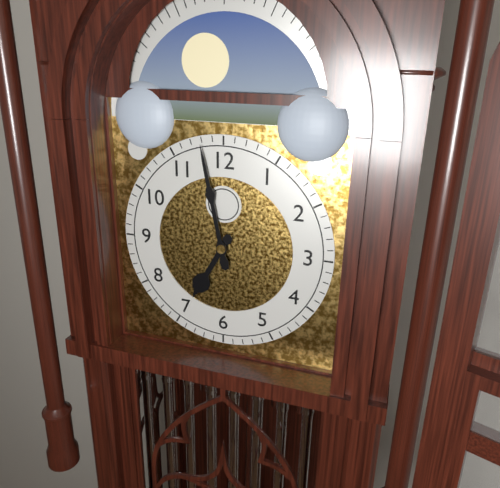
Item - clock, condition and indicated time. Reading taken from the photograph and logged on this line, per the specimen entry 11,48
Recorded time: 6,58
